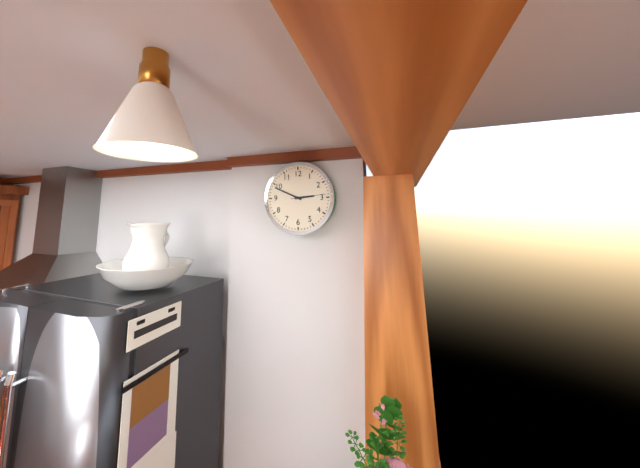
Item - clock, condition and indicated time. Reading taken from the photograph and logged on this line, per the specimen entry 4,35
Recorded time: 2,49
